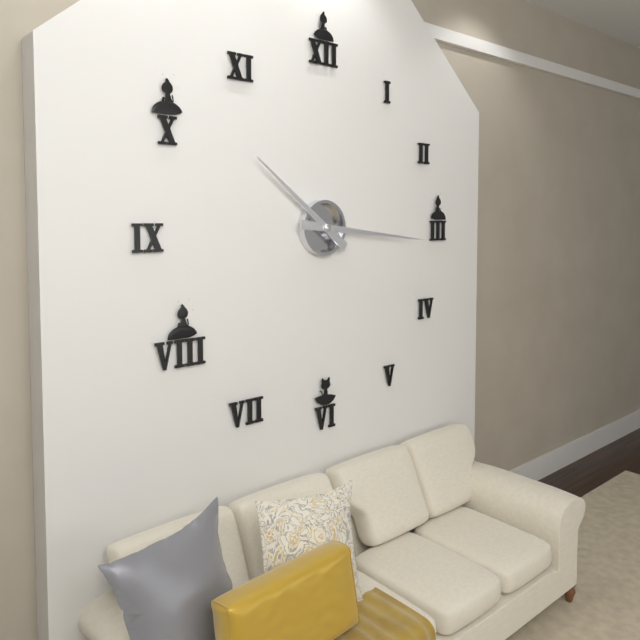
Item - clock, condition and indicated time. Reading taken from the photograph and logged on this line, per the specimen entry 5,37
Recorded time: 10,16
